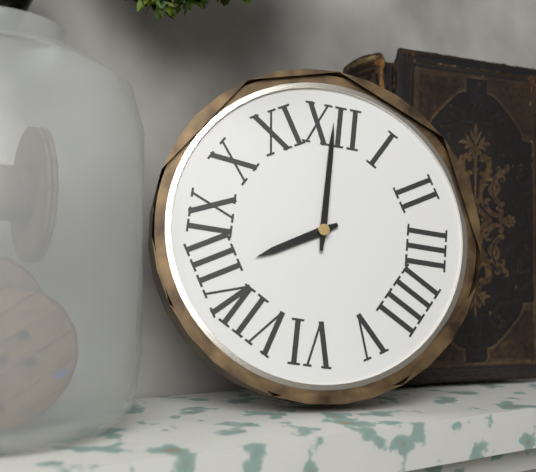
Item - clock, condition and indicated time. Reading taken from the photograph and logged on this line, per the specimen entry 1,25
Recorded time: 8,00
